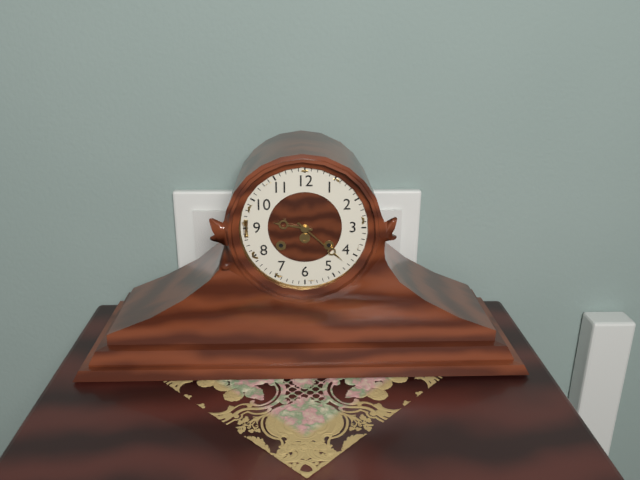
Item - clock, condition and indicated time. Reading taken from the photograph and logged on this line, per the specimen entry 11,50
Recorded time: 9,22
